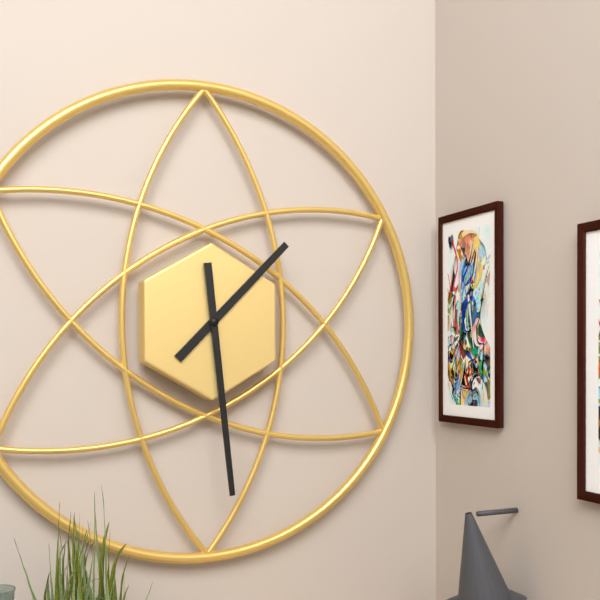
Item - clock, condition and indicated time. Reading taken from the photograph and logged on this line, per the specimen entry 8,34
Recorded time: 1,29
